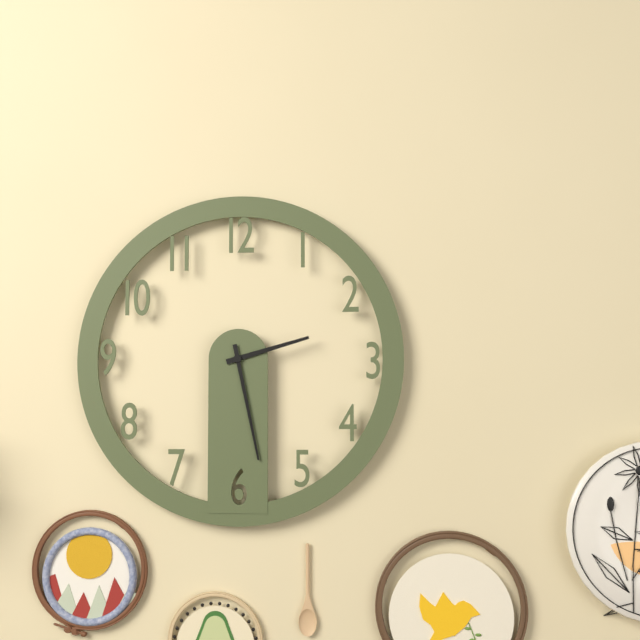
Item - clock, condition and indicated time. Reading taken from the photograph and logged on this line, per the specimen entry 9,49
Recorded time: 2,28
